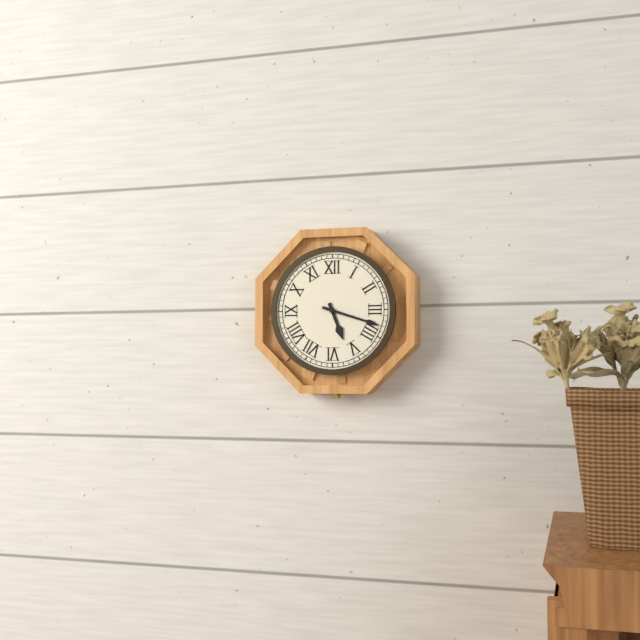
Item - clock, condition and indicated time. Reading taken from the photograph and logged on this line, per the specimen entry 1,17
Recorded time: 5,18
